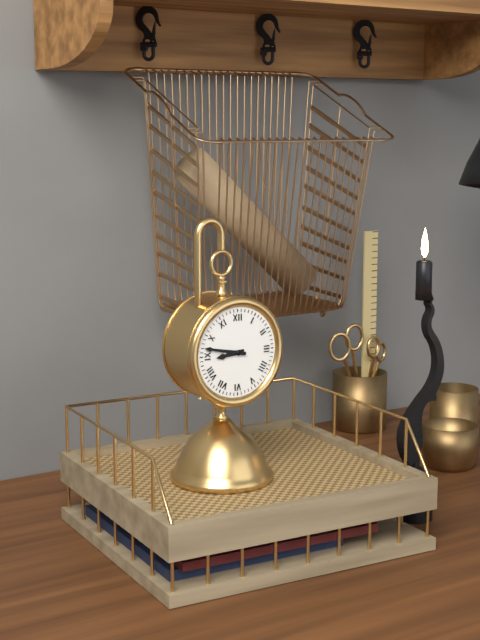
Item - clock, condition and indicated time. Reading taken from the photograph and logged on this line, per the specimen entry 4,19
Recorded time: 8,47
